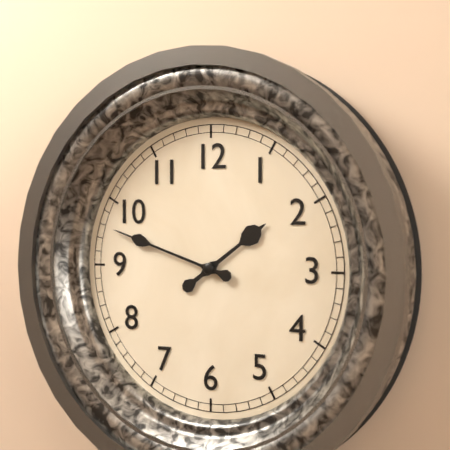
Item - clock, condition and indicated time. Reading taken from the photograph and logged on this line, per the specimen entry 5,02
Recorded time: 1,48
